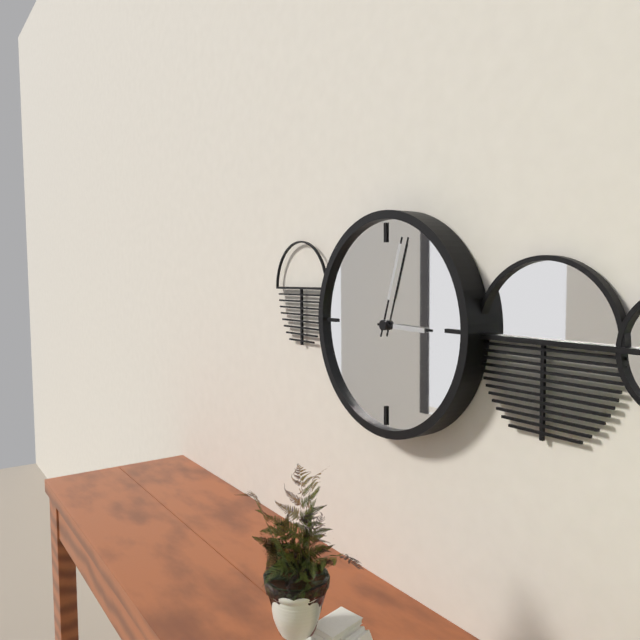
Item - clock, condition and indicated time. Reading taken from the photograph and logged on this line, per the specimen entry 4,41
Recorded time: 3,03
